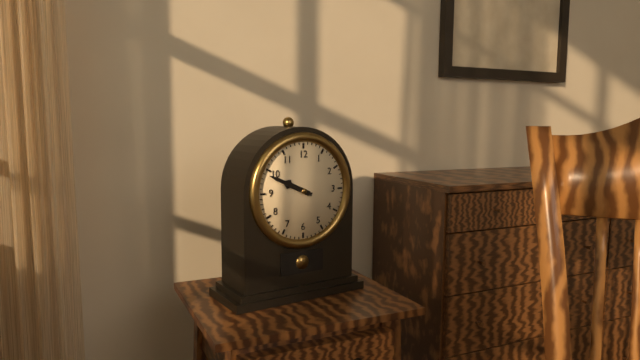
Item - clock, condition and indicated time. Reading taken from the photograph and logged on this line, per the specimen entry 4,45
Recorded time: 9,49
